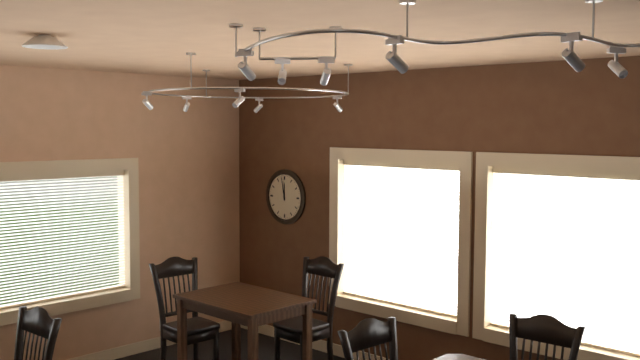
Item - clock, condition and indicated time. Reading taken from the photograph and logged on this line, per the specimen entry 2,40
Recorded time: 11,58
